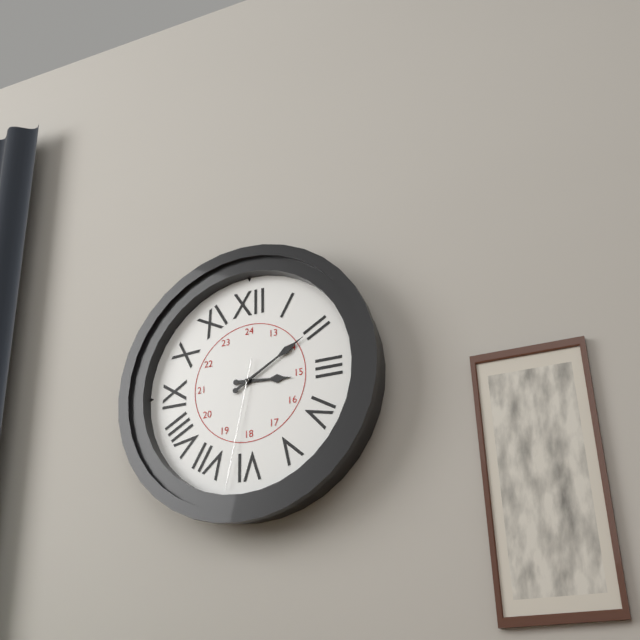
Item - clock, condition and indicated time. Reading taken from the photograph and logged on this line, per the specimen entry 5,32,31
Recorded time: 3,10,32
